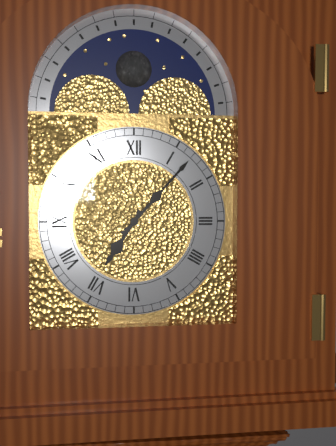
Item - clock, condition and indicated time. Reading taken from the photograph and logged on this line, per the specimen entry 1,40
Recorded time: 7,07
